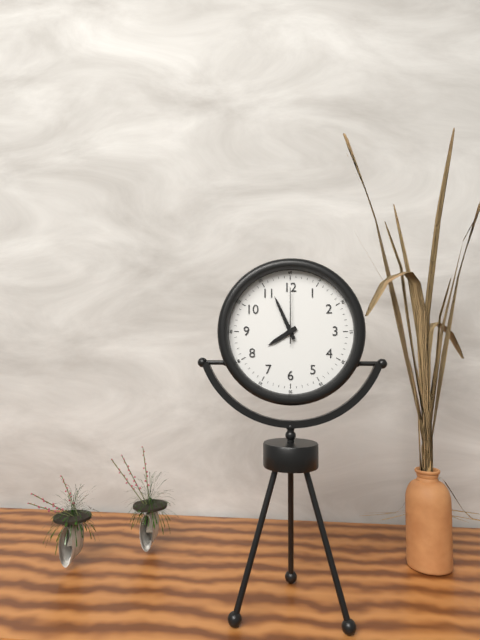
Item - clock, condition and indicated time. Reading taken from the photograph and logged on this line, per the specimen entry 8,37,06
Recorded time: 7,56,00
